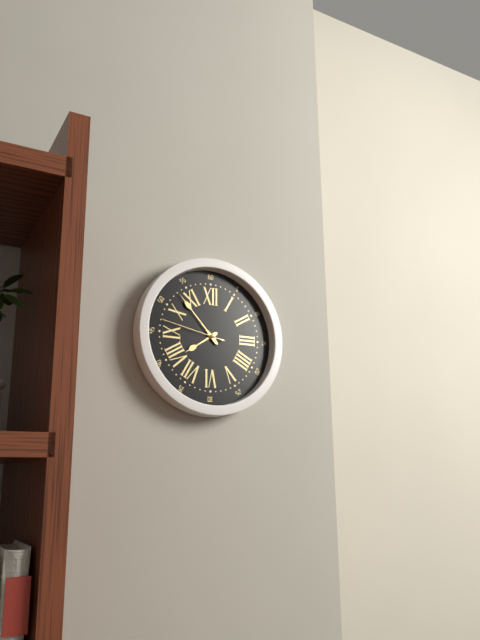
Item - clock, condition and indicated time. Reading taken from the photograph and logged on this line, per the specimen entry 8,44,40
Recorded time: 7,53,47
